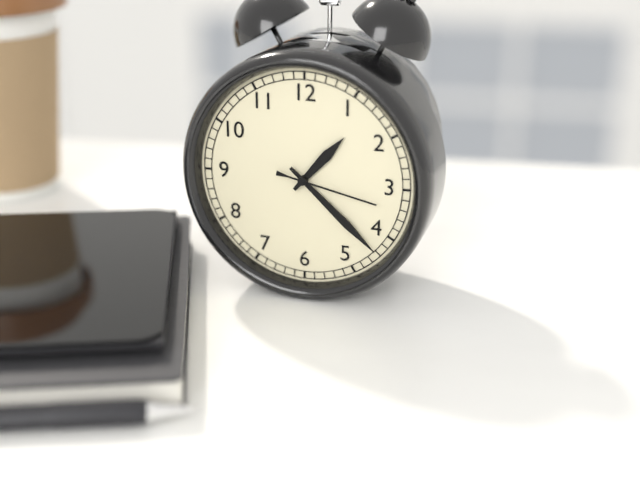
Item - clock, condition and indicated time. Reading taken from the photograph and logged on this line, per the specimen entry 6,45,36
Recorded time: 1,22,17
